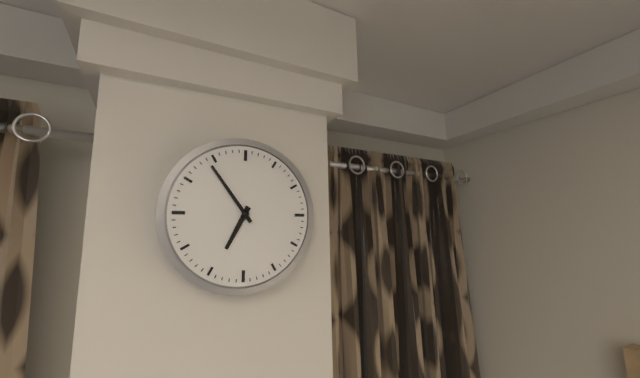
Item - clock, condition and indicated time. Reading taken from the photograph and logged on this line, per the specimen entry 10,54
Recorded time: 6,54
